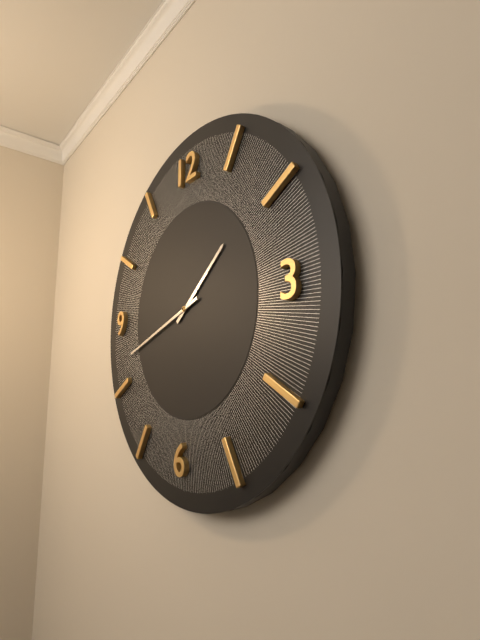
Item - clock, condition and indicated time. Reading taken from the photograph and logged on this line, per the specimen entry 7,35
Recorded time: 1,42
